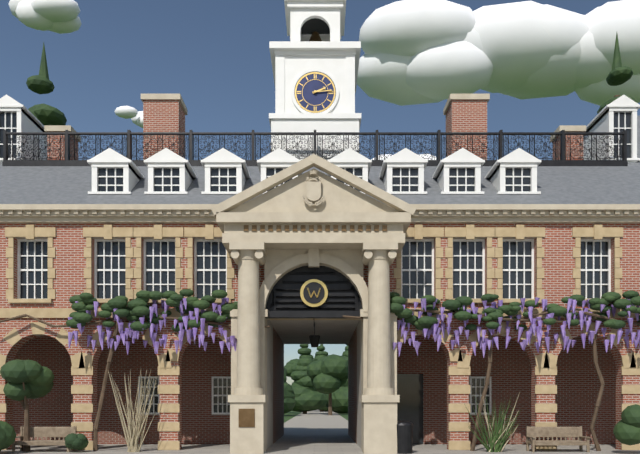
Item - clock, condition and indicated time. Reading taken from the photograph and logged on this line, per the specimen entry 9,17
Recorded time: 2,14
